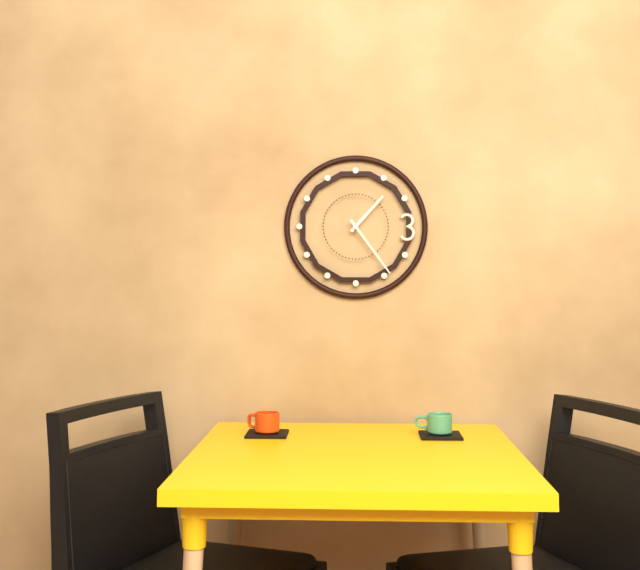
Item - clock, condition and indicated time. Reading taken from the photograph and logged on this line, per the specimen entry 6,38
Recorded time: 1,24
